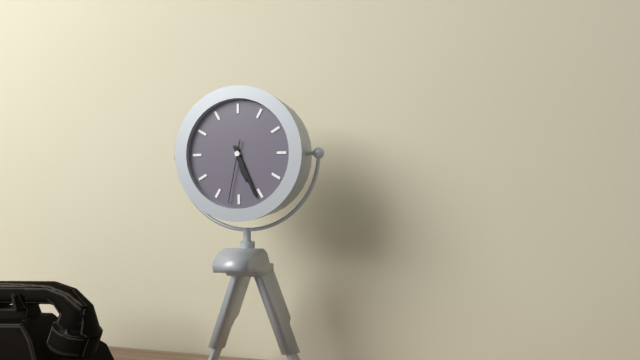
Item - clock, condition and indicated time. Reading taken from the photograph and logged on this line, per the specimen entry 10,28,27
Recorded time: 5,26,32
